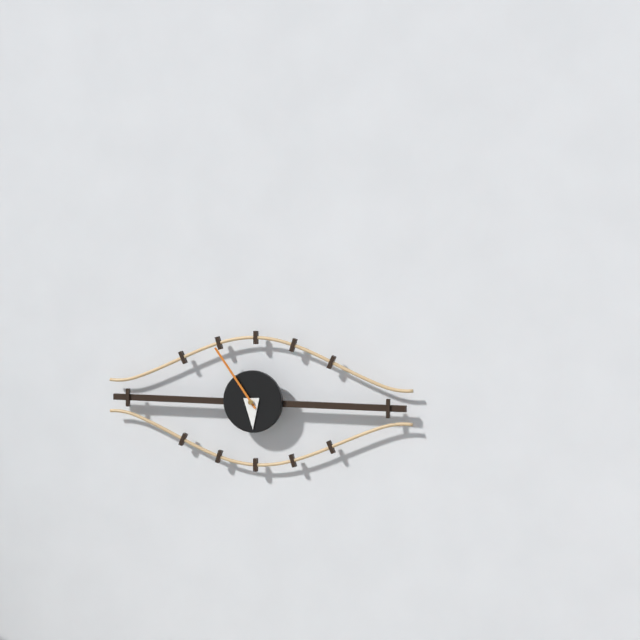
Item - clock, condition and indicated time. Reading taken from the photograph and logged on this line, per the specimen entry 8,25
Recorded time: 5,54
